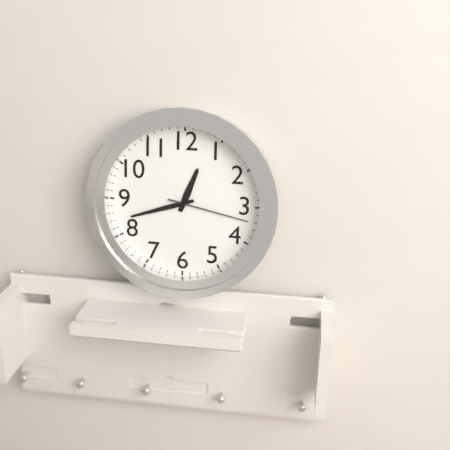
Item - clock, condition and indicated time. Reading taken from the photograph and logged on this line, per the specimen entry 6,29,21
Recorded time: 12,42,17
